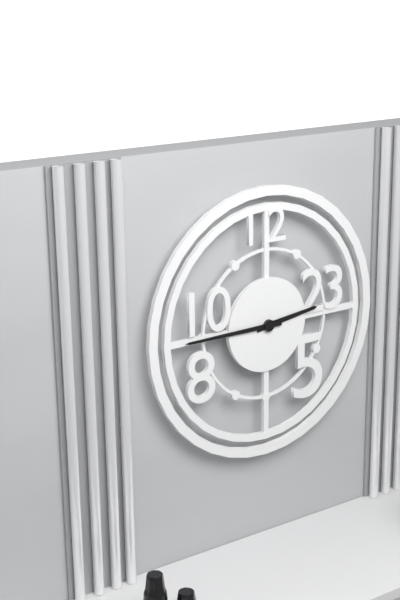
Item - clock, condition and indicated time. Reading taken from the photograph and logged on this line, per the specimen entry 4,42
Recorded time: 2,45
